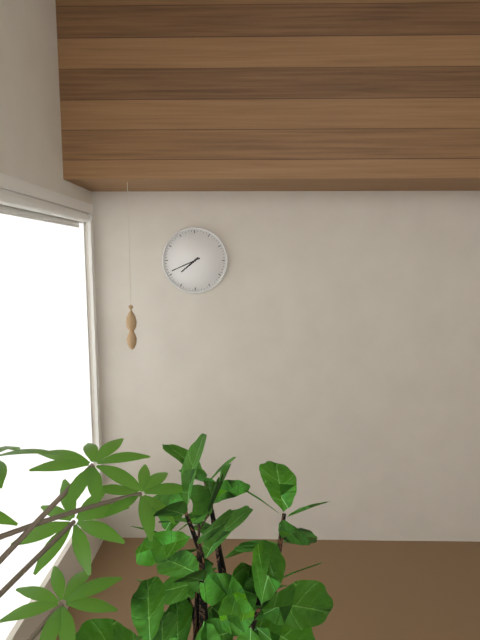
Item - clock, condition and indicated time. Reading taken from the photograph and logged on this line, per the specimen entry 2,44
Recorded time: 7,41
